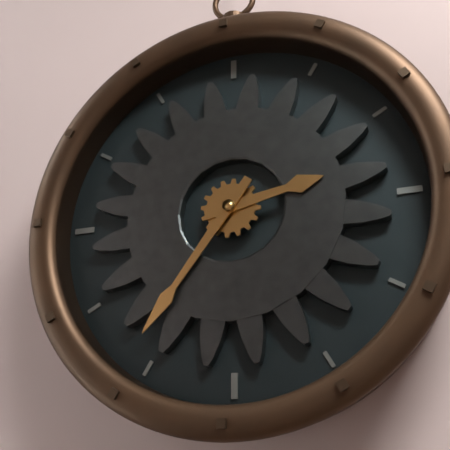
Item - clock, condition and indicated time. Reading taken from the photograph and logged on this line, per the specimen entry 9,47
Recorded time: 2,36
